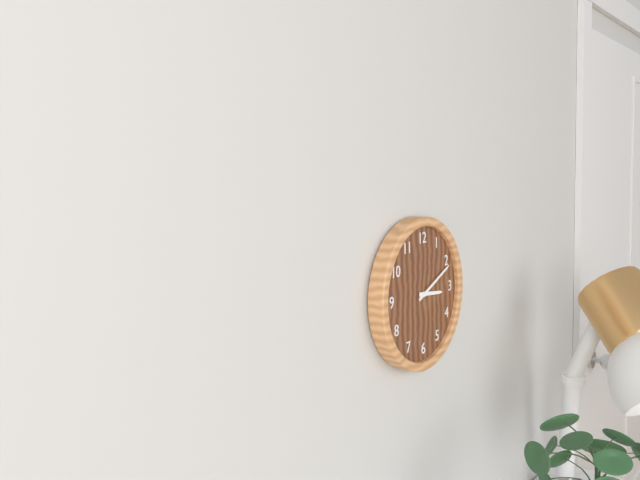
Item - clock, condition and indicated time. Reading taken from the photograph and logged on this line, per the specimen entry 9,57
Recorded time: 3,11
